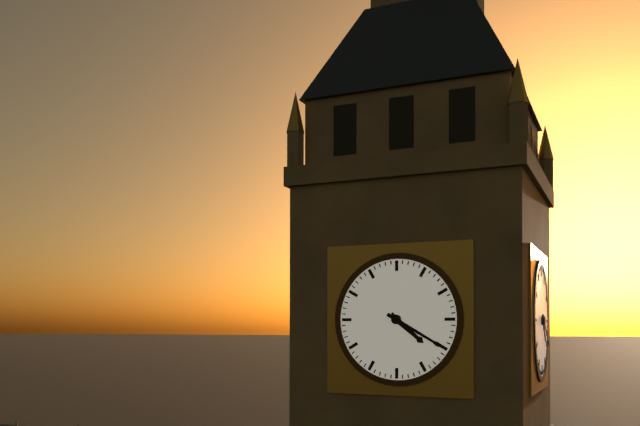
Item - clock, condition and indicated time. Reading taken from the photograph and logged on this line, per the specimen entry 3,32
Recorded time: 4,20
